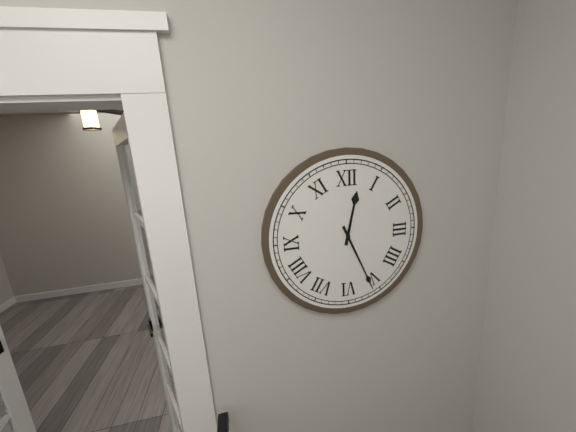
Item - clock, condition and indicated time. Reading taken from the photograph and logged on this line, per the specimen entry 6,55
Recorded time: 12,26
